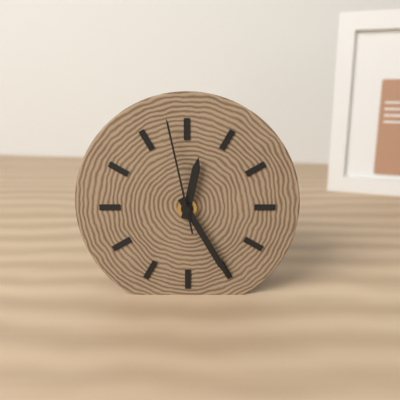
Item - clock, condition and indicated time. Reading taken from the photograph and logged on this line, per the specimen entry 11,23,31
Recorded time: 12,25,58
